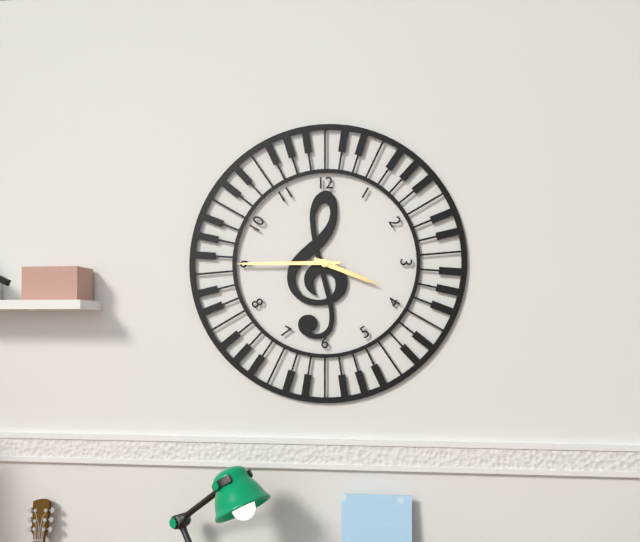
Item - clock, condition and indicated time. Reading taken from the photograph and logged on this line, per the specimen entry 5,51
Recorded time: 3,45
